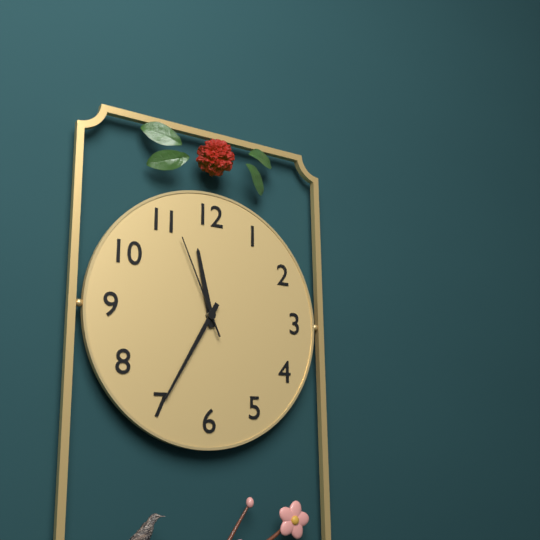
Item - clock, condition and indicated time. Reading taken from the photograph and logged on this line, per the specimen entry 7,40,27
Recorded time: 11,35,56
